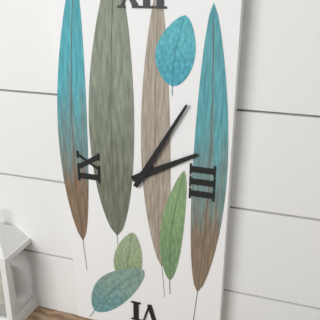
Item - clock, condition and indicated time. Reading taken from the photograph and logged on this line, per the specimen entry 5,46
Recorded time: 2,05
